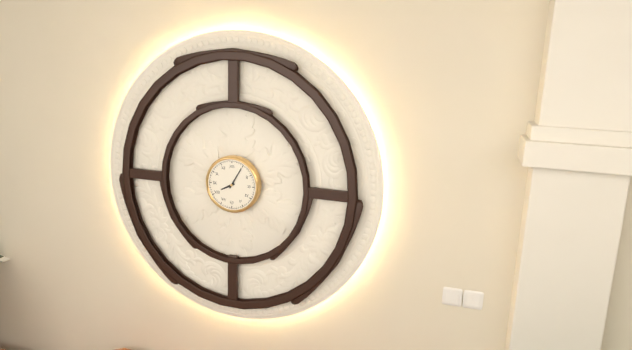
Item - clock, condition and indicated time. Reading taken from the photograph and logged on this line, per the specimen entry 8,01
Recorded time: 8,05
